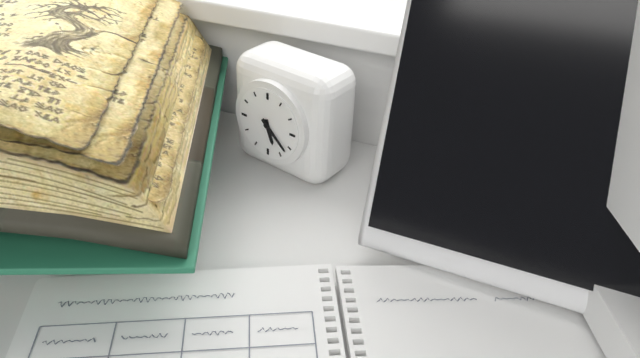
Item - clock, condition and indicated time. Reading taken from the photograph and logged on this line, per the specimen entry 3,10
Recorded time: 5,22
